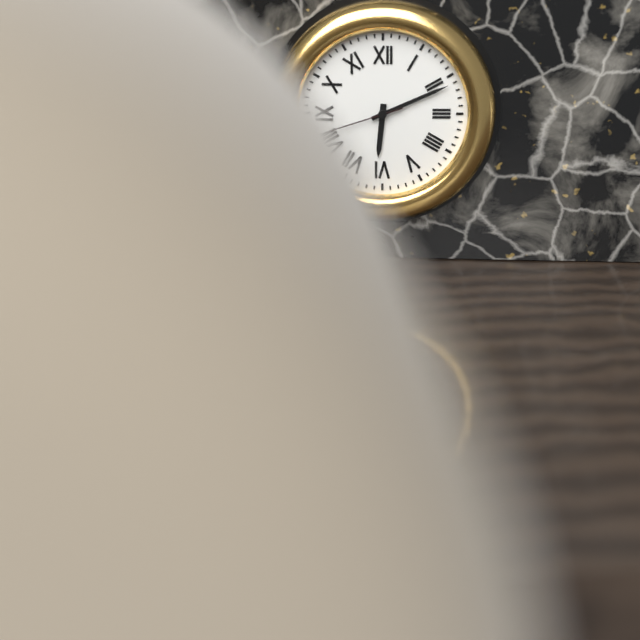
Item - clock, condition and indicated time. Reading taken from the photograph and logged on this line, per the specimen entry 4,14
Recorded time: 6,11
